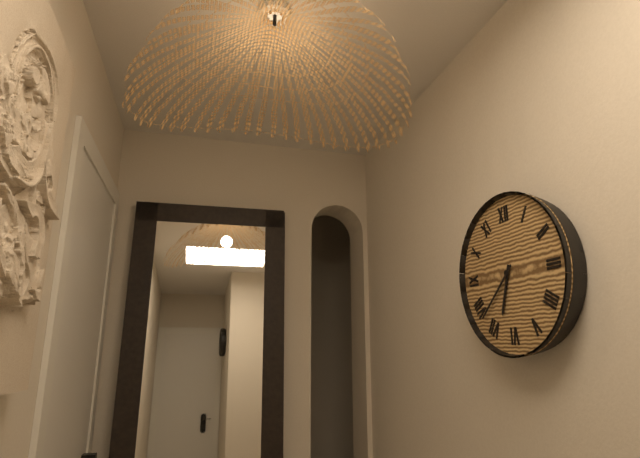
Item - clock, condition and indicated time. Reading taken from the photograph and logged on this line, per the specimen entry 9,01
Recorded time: 6,38
